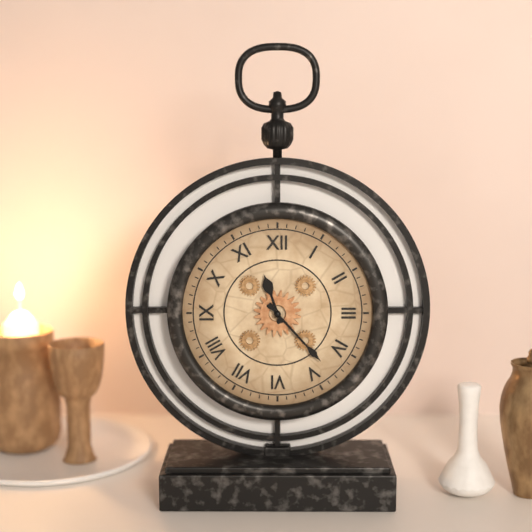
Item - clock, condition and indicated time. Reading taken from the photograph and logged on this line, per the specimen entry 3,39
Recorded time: 11,23
